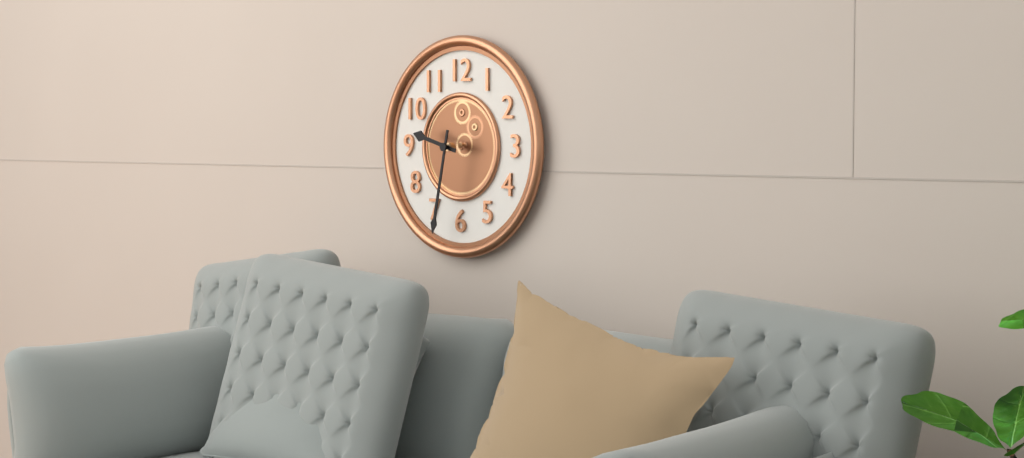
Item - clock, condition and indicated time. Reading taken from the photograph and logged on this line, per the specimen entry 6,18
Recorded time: 9,32
